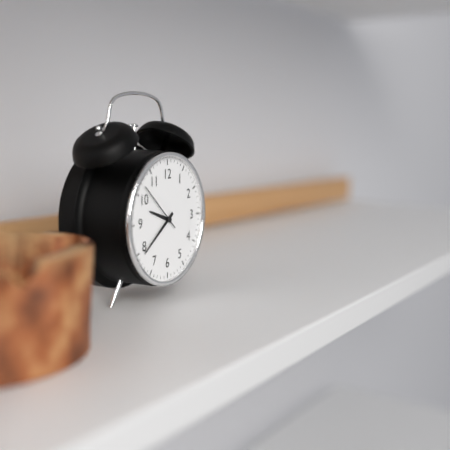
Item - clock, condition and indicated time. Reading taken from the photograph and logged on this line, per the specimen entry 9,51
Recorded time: 9,39
